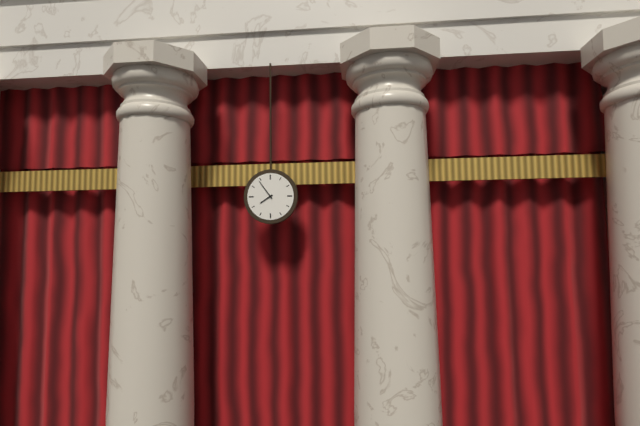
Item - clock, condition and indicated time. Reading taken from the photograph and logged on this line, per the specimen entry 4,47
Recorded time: 7,54
